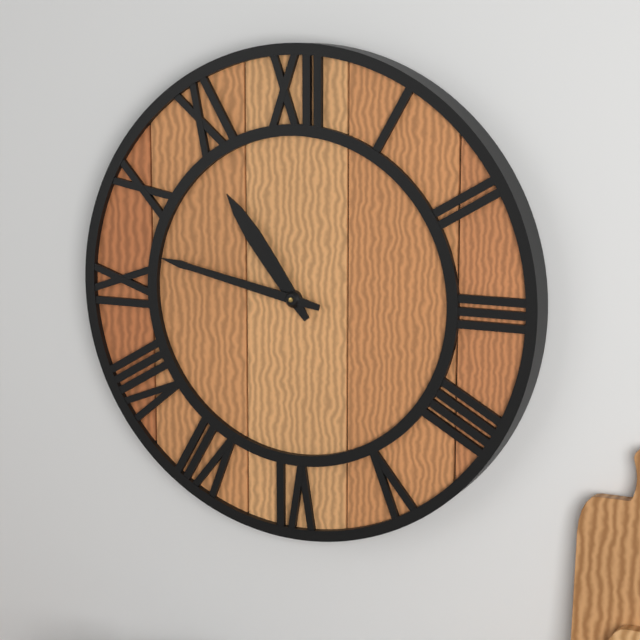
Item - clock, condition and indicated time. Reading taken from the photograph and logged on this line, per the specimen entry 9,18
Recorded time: 10,47
